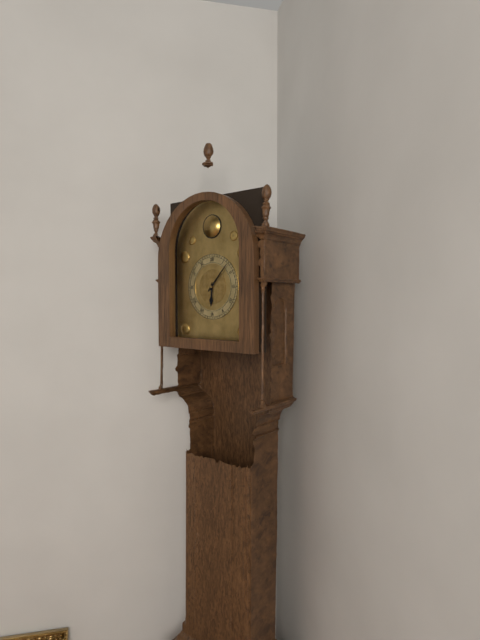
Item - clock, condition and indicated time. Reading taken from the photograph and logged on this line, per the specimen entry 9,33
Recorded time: 6,07
